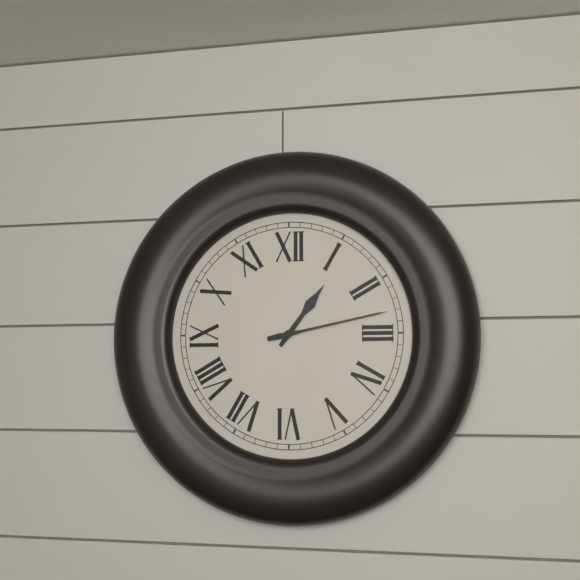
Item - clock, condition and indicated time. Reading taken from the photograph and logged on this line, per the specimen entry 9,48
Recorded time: 1,13
